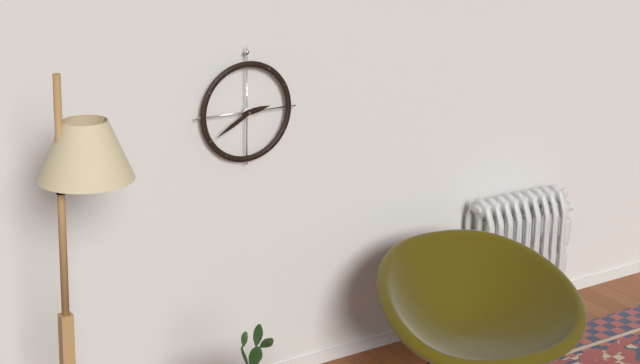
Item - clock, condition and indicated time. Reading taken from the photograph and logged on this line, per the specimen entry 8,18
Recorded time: 2,40
